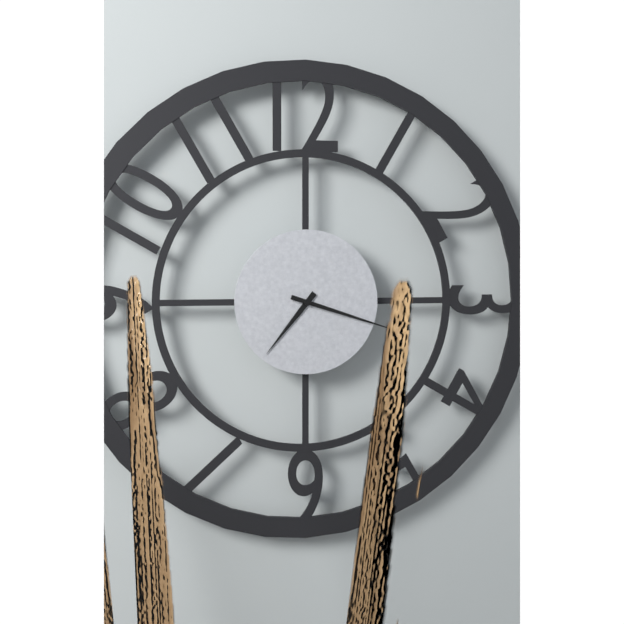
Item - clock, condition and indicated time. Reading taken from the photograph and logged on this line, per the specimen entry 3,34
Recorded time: 7,18
